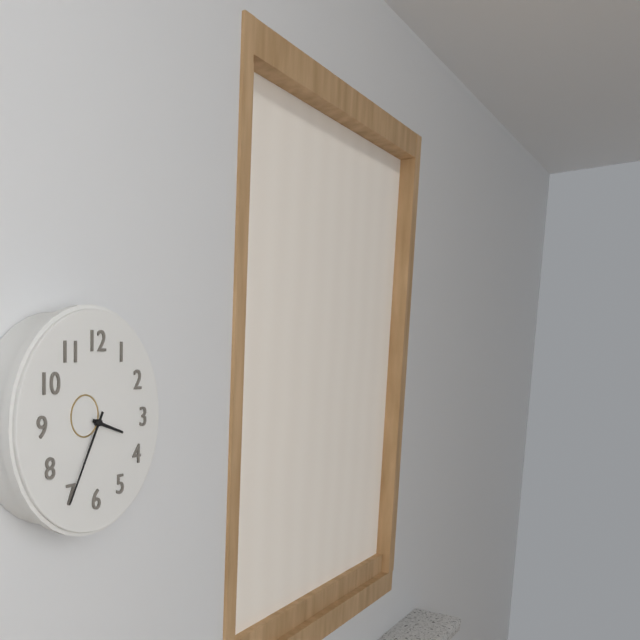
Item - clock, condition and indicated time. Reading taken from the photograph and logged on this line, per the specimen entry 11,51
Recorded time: 3,35
